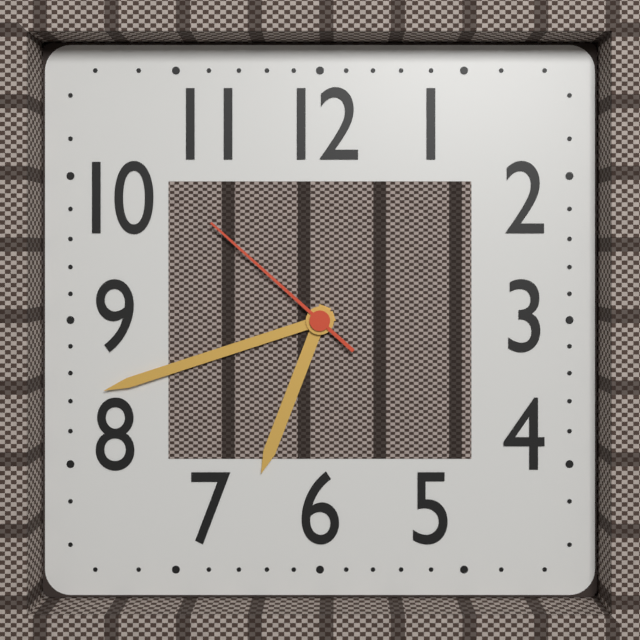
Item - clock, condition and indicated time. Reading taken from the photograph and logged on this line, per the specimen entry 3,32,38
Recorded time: 6,42,52
